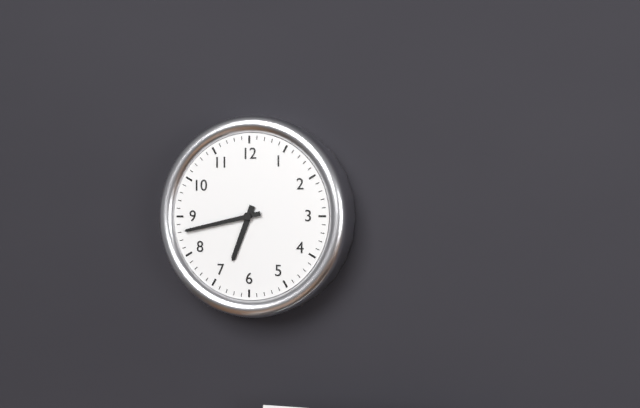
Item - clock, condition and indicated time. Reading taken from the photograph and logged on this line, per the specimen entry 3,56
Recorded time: 6,43
